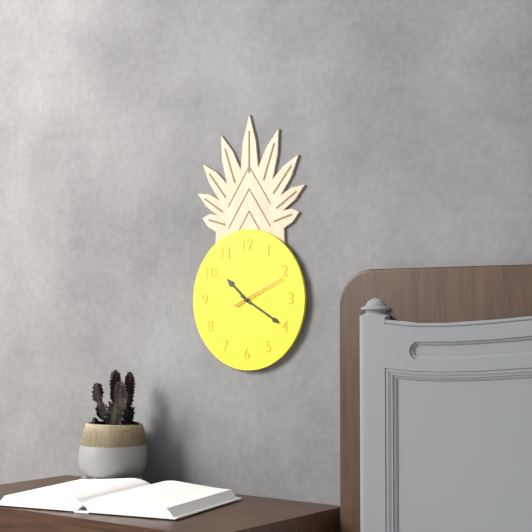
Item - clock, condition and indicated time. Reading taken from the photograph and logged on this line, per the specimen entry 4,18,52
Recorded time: 10,20,11
